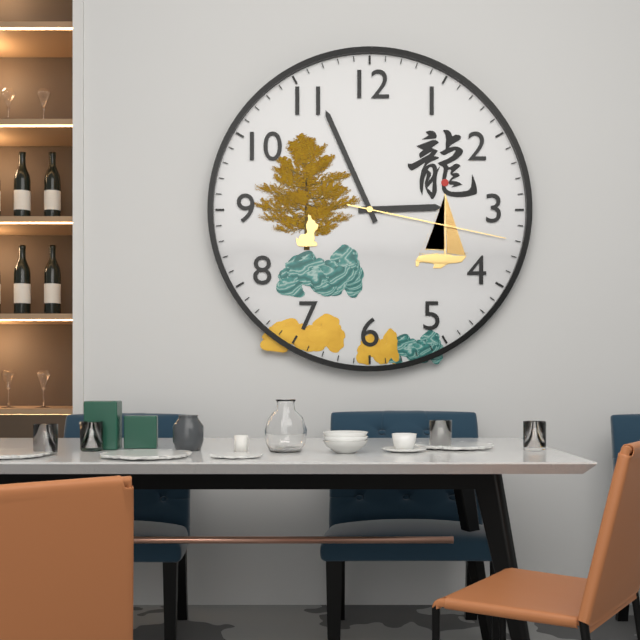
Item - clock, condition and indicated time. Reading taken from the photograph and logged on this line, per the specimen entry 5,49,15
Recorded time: 2,56,17
